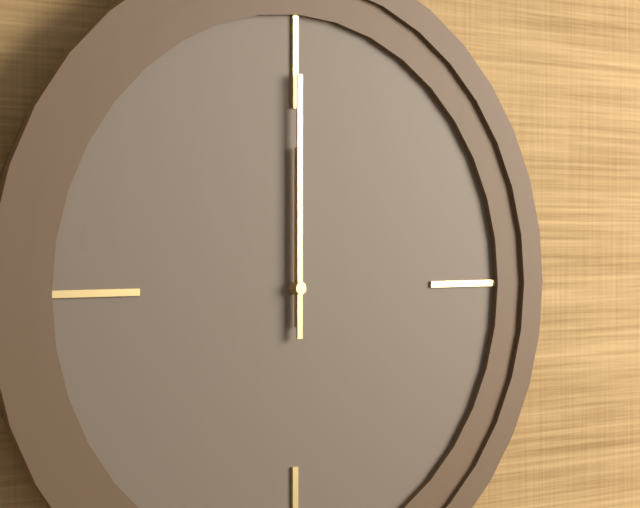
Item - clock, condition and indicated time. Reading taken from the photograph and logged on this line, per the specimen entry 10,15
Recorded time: 12,00
